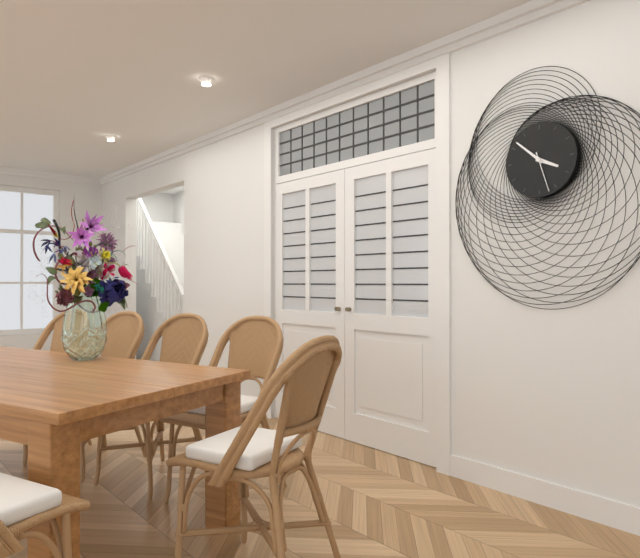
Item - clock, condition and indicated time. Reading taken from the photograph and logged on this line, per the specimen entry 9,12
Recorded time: 3,52
